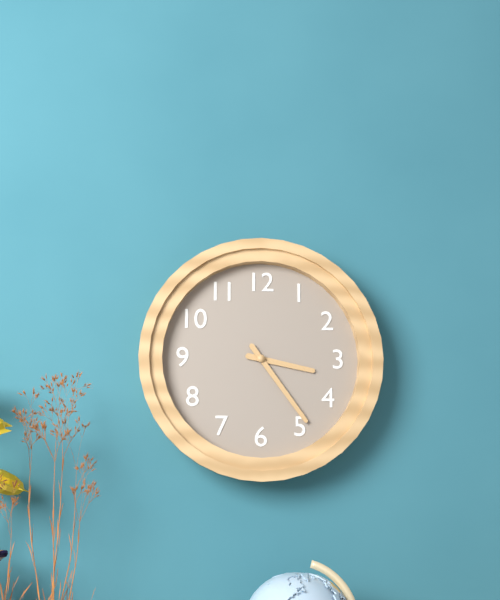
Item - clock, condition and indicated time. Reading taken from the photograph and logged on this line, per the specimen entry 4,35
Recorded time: 3,24
